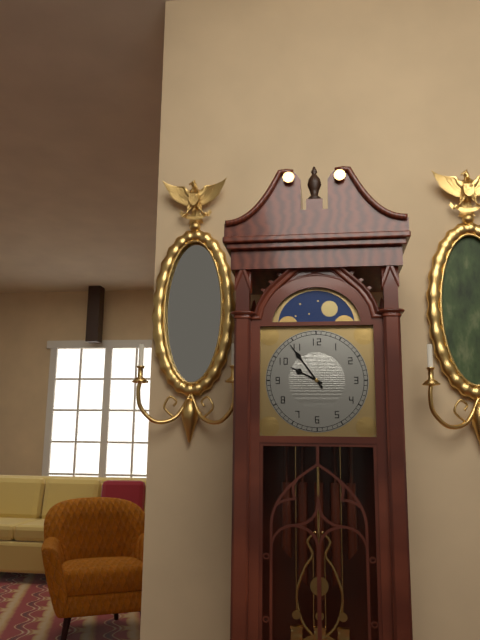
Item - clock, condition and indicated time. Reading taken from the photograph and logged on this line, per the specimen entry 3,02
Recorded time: 9,54
